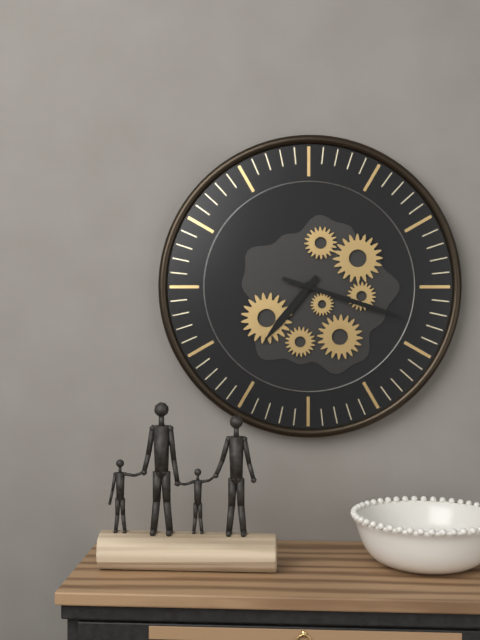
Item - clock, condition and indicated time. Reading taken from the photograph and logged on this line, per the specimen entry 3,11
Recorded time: 7,18
